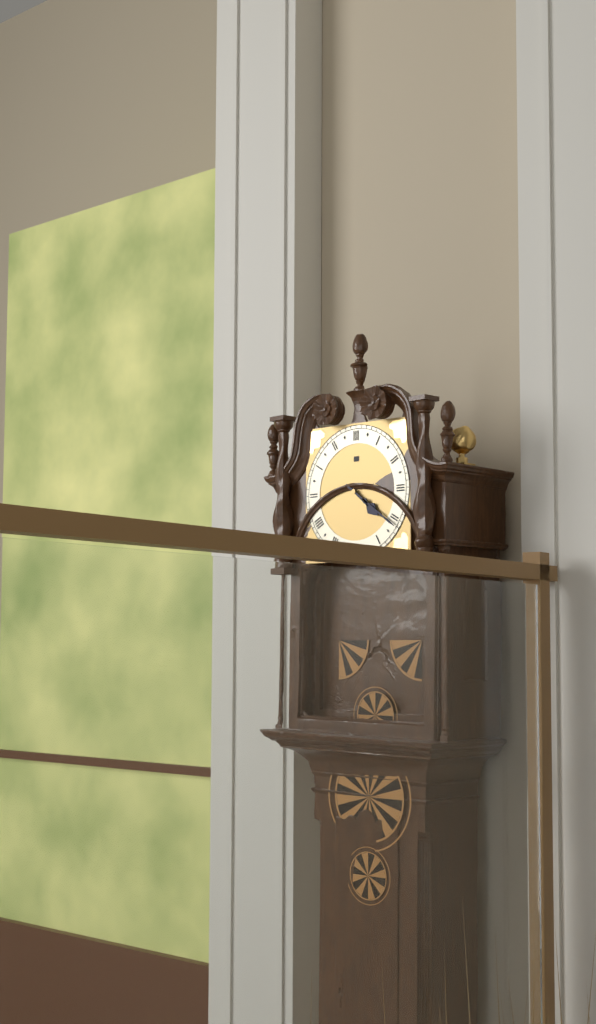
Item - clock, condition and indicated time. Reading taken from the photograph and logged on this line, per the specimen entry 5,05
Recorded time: 4,21
